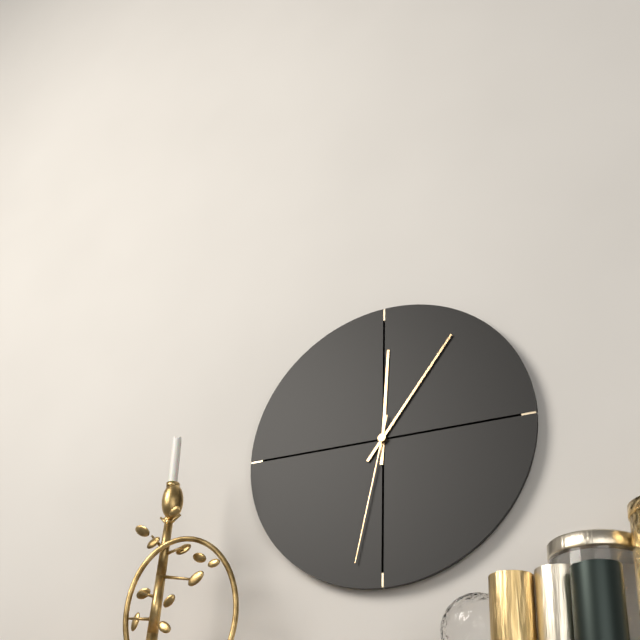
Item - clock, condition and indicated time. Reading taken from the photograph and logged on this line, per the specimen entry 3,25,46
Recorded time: 12,06,32
